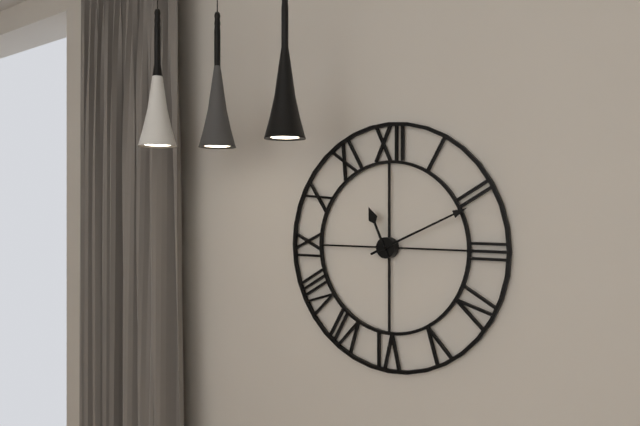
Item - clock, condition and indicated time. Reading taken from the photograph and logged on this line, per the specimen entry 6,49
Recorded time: 11,11
